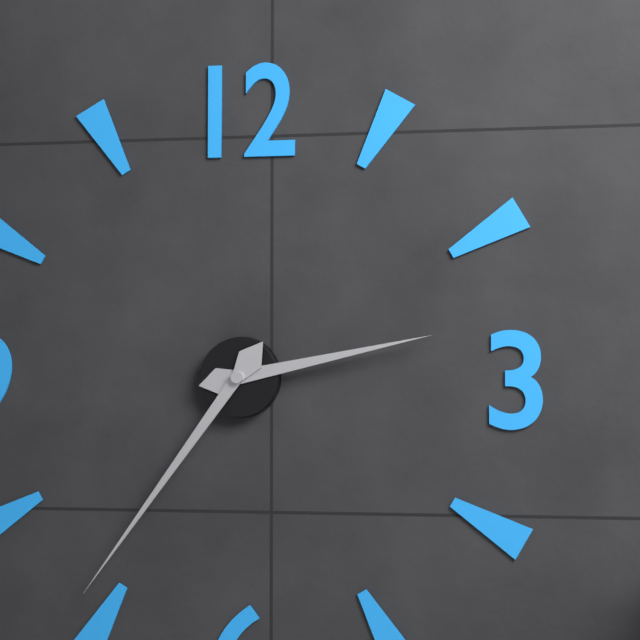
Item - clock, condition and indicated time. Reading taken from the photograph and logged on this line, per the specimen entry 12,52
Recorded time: 2,36
